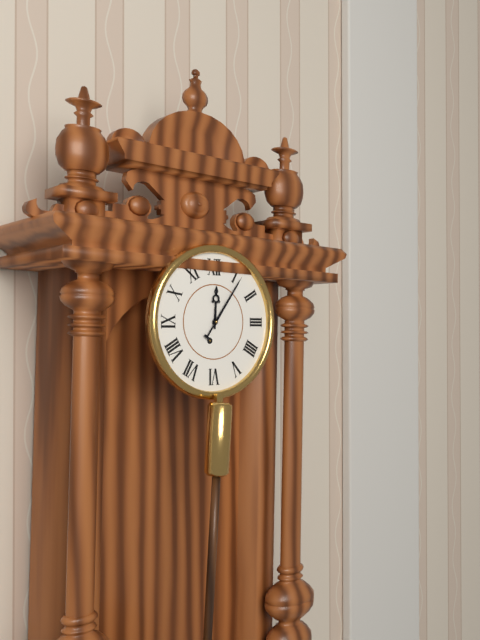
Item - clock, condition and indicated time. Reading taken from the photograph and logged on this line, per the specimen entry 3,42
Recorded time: 12,06
